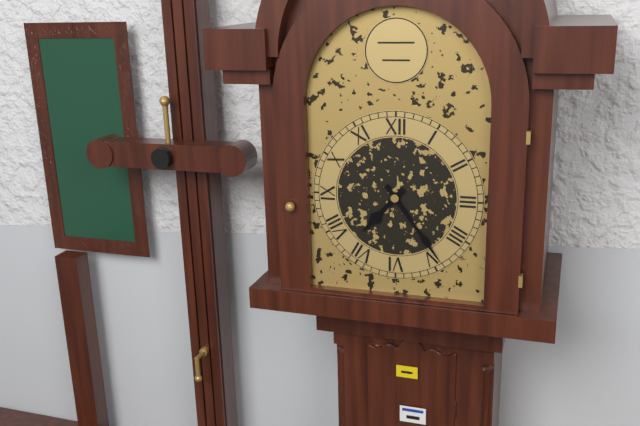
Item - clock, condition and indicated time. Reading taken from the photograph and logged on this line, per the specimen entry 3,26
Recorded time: 7,24
